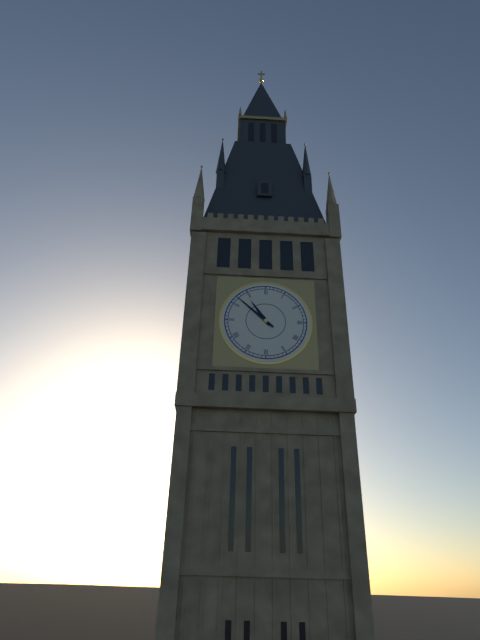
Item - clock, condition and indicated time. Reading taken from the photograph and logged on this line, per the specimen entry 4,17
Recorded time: 10,52
